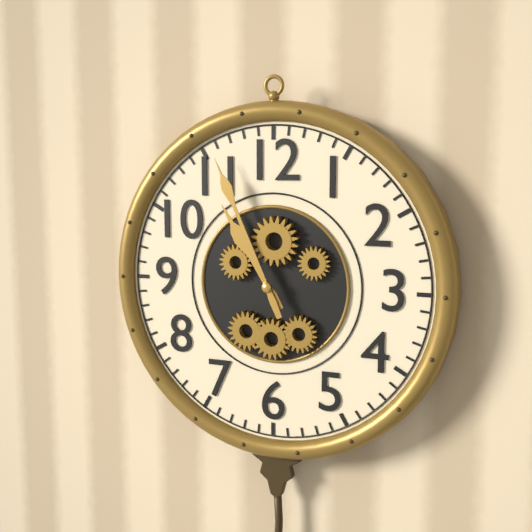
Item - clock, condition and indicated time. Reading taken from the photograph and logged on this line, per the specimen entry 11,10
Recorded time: 10,56
